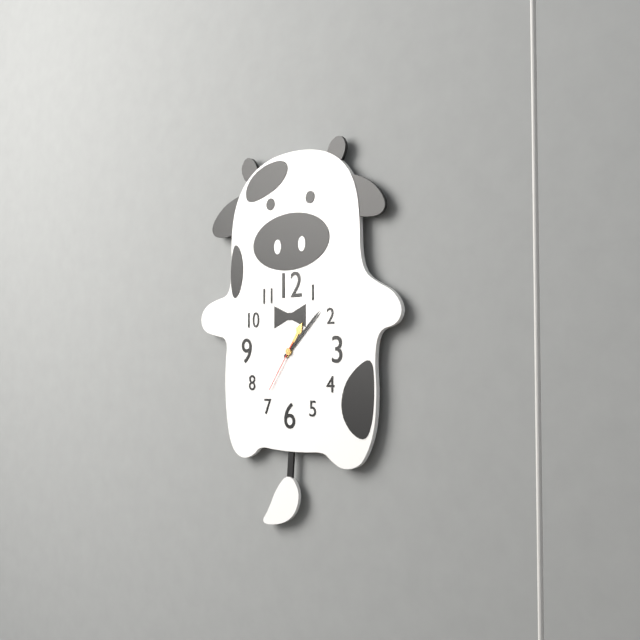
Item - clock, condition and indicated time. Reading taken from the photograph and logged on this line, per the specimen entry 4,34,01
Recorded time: 1,08,36
